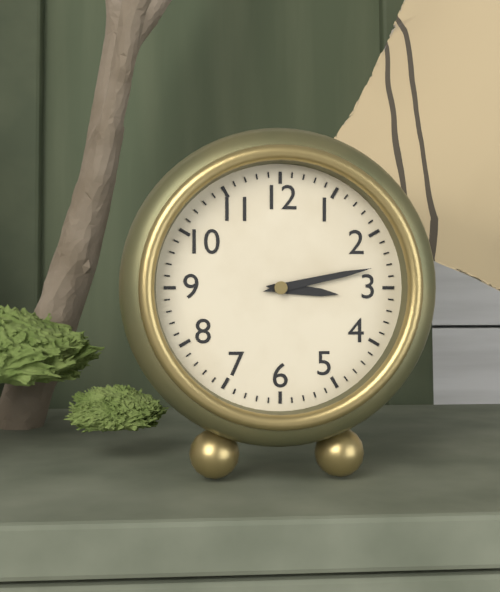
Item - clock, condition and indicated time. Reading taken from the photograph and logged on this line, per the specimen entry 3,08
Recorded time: 3,13
